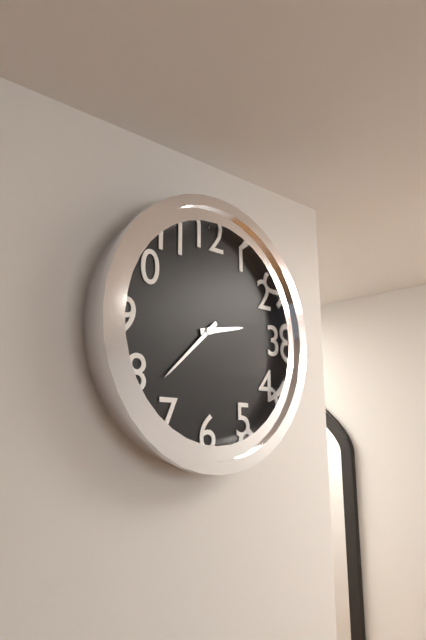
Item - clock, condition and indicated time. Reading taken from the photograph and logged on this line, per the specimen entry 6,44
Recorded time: 2,38
